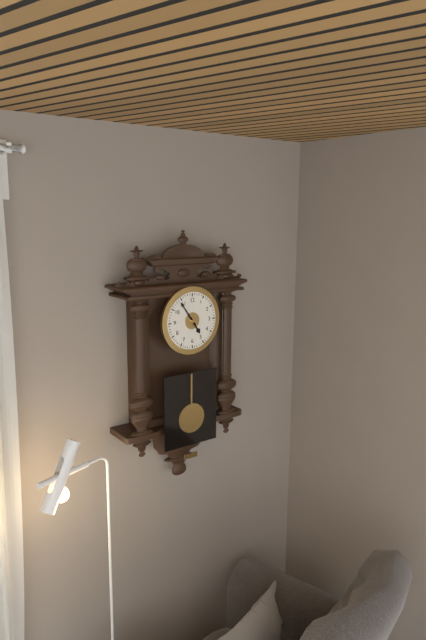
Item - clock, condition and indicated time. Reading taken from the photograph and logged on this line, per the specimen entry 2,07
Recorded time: 4,54
